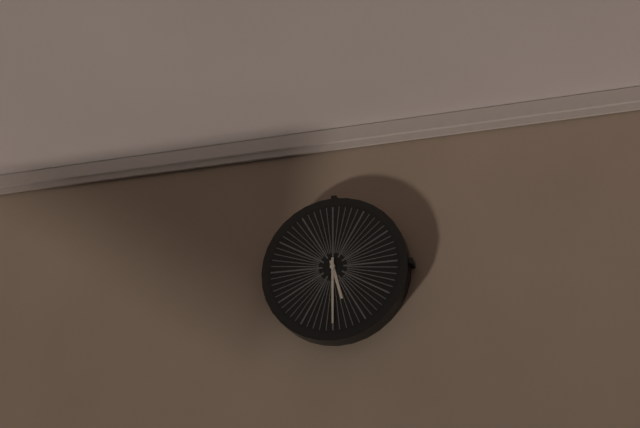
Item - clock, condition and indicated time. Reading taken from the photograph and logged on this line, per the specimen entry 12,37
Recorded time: 5,30
